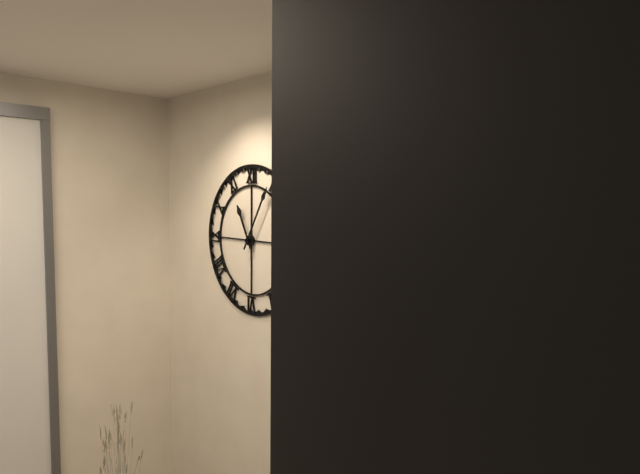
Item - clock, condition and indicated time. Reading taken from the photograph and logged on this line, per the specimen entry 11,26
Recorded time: 11,05
